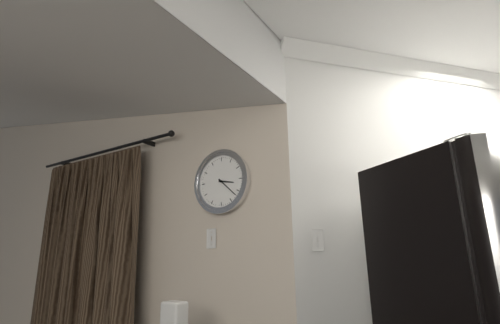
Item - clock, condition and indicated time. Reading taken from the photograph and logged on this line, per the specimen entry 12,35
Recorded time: 3,22
